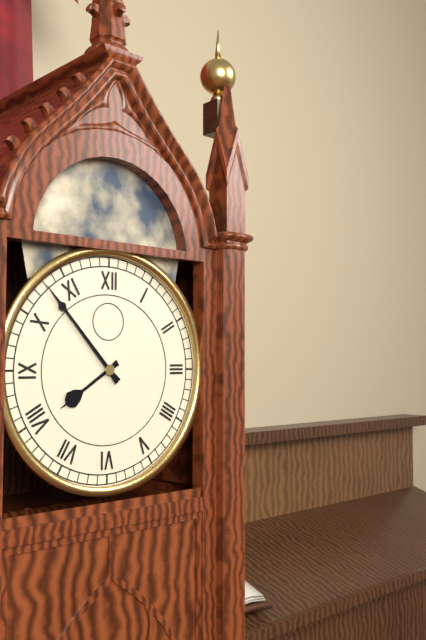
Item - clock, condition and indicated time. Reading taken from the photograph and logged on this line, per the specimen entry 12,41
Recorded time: 7,53
